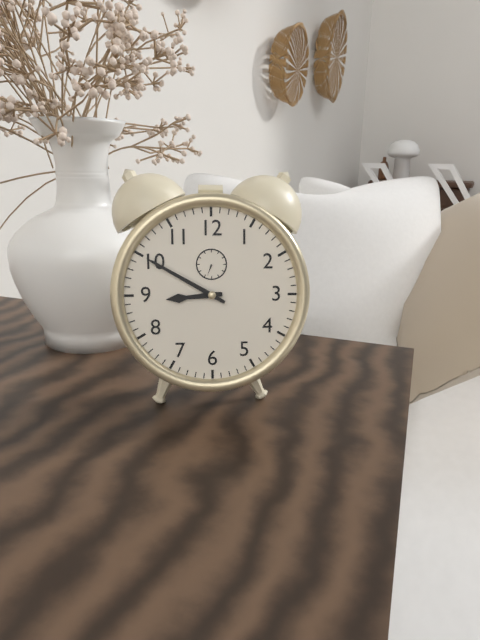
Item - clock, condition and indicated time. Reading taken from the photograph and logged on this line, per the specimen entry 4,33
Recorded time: 8,50
